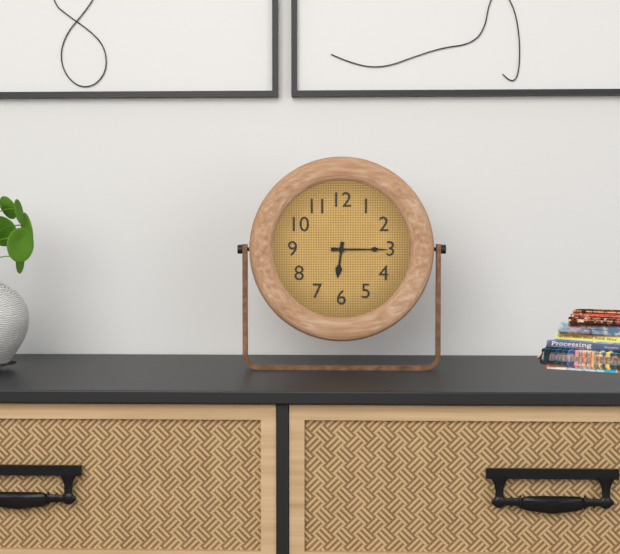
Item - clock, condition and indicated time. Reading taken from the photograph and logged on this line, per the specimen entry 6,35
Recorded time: 6,15
